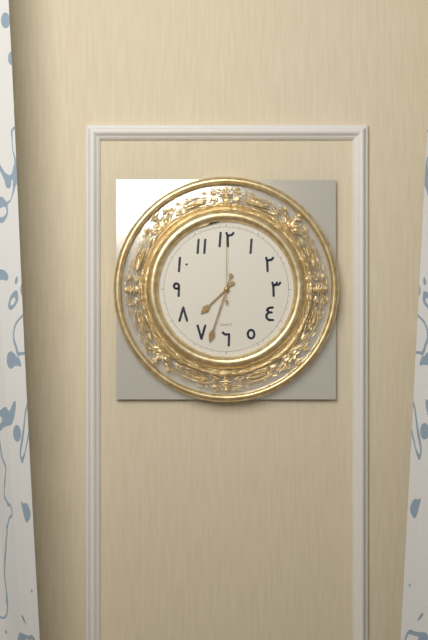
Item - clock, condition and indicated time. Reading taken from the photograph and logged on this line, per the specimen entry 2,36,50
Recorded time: 7,33,00
